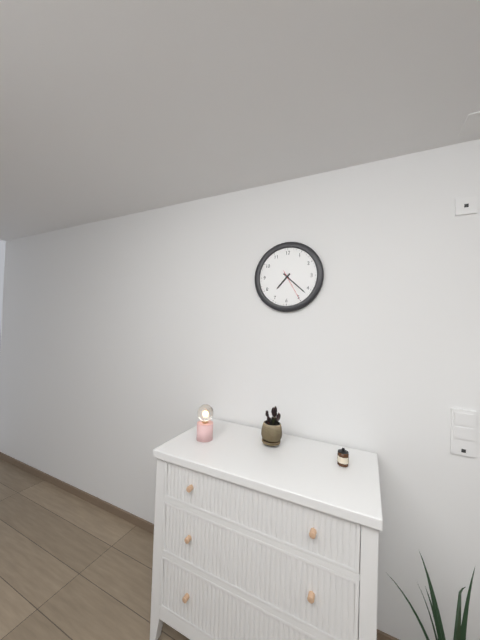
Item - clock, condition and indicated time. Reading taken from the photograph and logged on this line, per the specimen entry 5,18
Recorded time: 7,22
